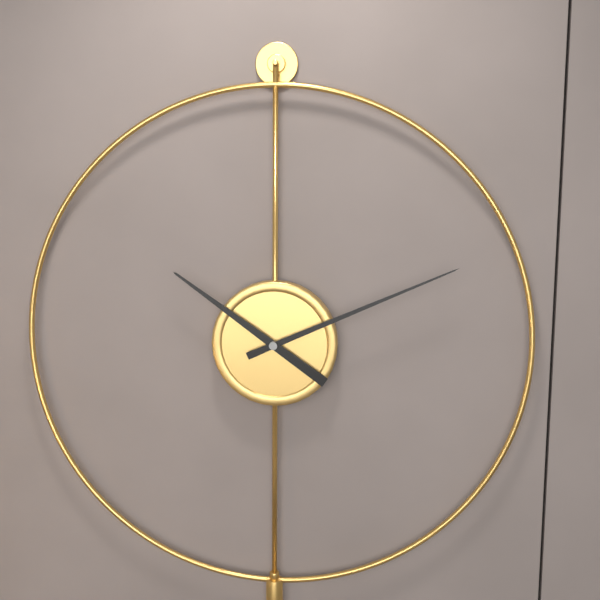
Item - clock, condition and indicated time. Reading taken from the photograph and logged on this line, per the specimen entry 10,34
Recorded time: 10,11
